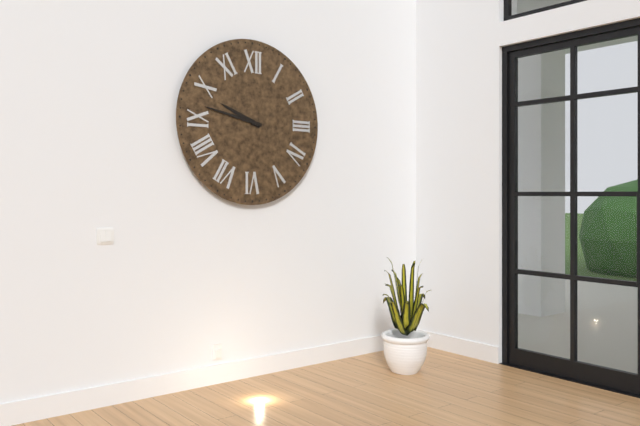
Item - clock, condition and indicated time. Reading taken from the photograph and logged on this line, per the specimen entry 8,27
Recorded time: 9,47
